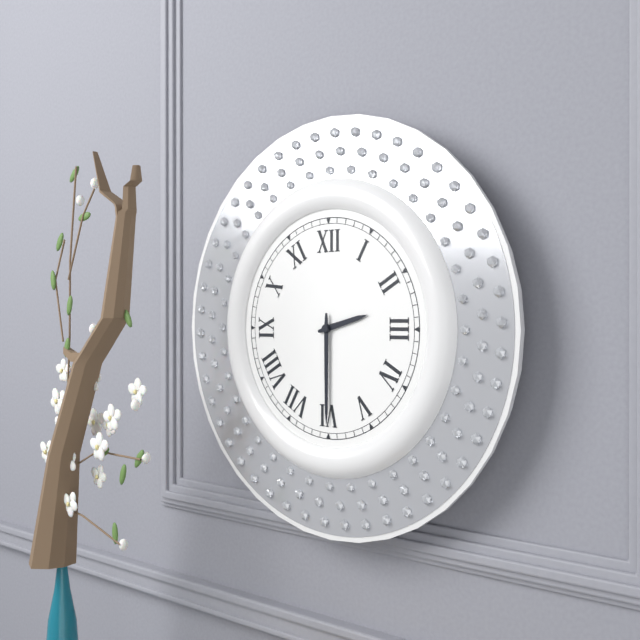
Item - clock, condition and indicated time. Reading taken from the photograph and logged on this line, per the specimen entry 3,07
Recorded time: 2,30
